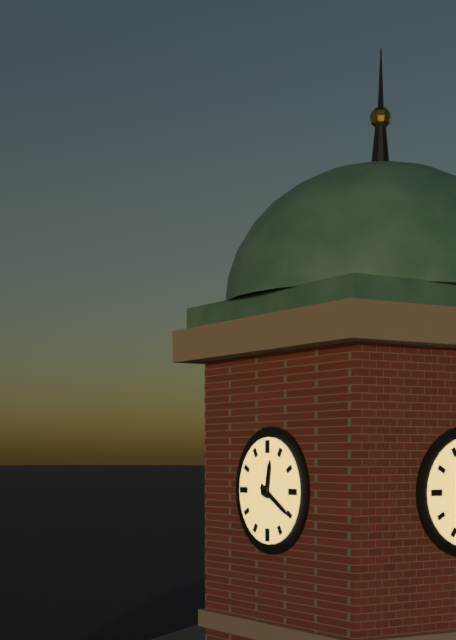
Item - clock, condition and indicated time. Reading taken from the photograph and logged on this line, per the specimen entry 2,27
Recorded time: 12,20
